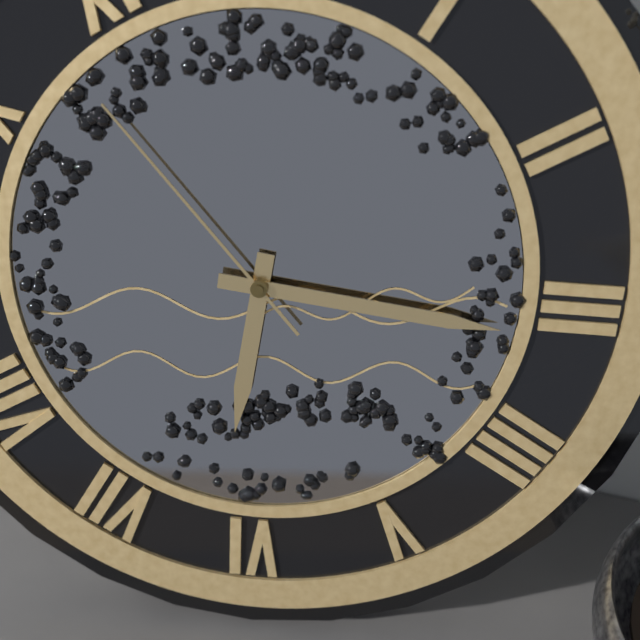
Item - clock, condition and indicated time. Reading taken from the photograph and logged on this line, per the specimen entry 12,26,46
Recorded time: 6,16,53
